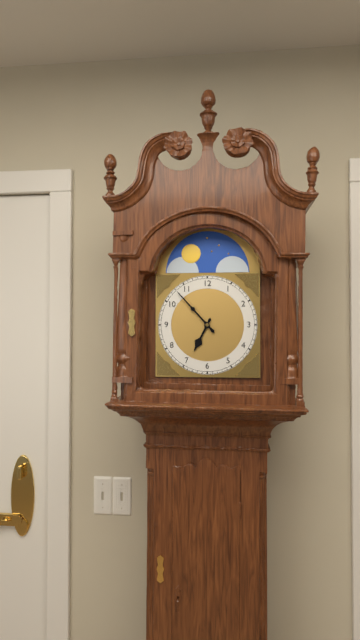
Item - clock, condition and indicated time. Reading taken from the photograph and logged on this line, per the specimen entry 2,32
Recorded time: 6,53
